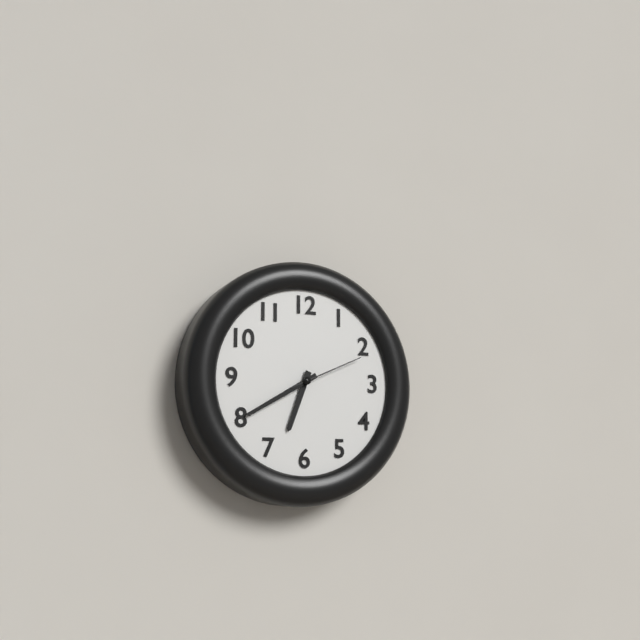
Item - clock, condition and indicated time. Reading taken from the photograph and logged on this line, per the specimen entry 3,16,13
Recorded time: 6,40,11
